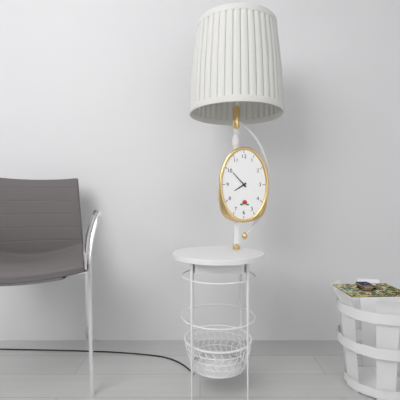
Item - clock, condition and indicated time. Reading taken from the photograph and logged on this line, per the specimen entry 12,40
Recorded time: 7,53
